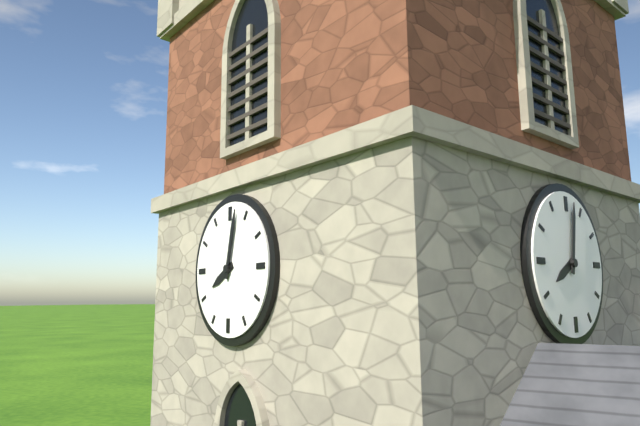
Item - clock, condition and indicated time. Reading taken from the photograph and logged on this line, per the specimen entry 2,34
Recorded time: 8,02
